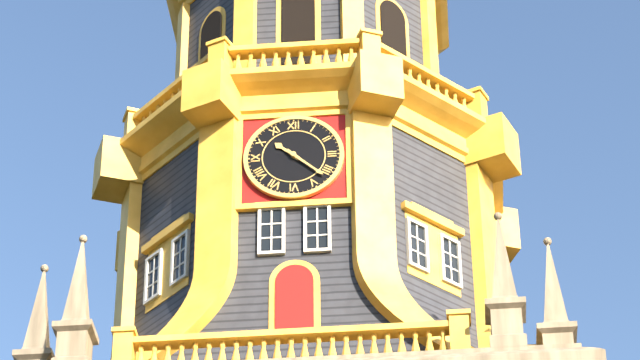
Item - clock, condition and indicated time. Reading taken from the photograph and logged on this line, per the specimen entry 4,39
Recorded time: 10,22
